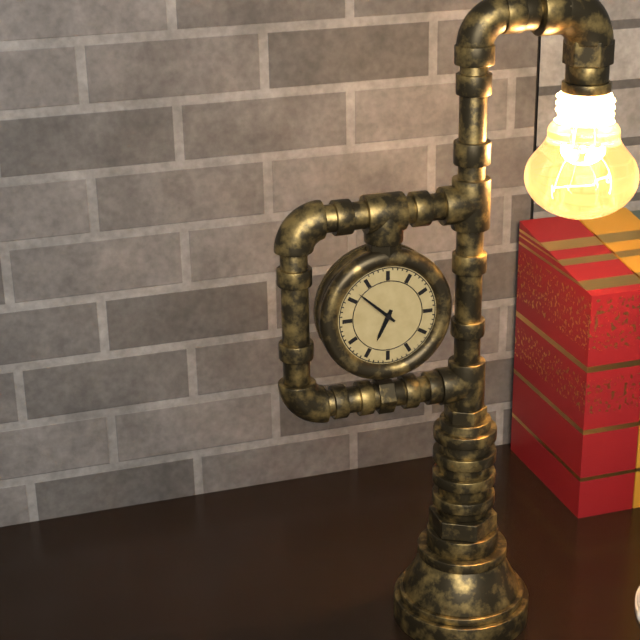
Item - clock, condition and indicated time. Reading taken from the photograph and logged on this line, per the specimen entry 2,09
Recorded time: 6,52
